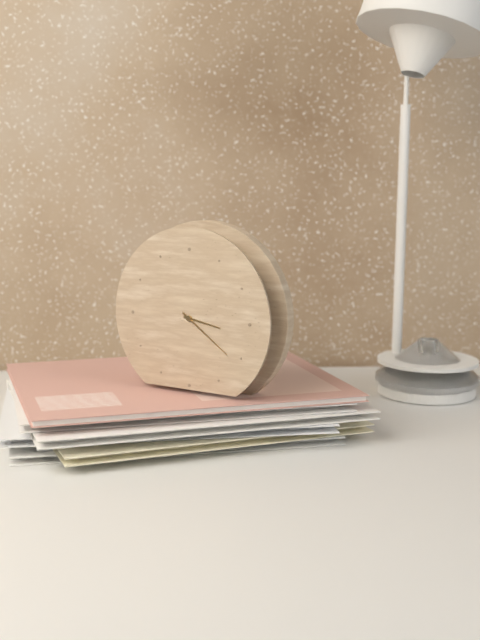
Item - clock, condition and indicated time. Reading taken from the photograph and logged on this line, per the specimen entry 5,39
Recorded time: 3,21
